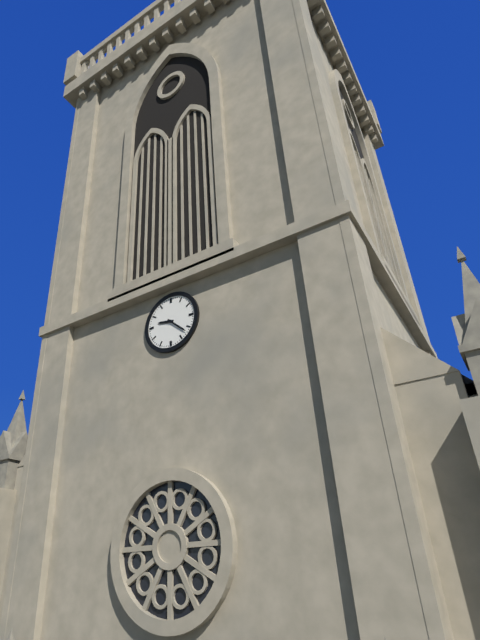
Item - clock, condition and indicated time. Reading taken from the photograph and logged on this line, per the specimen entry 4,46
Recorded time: 9,22
